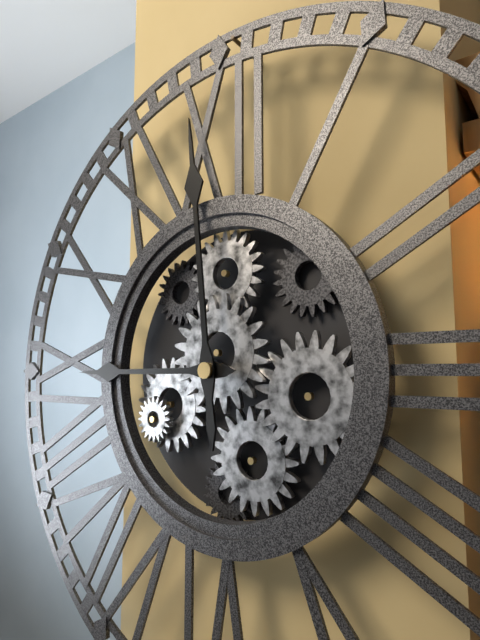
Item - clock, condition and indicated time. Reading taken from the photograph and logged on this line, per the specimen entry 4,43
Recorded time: 8,59
